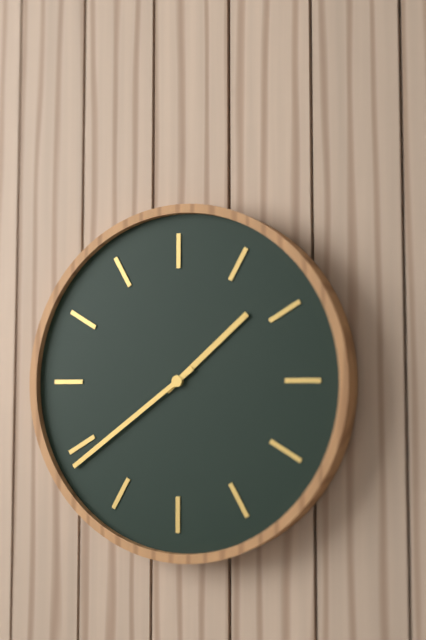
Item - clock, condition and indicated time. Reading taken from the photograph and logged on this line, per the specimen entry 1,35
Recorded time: 1,39
